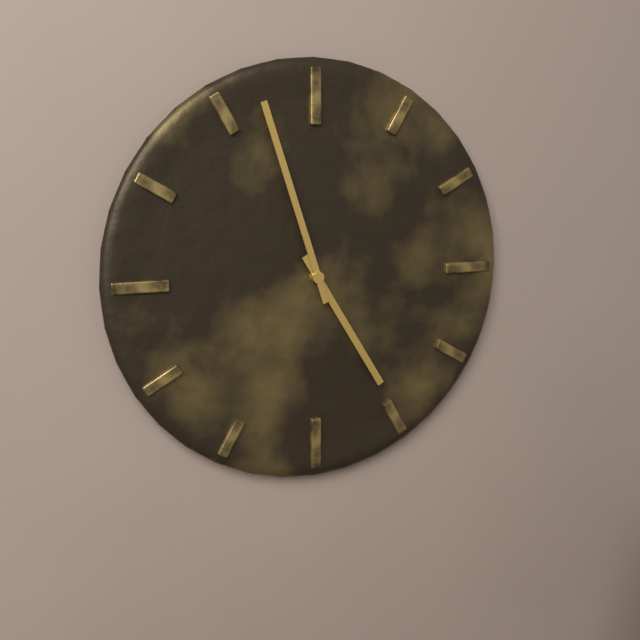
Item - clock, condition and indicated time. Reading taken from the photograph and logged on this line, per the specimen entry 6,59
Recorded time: 4,57
